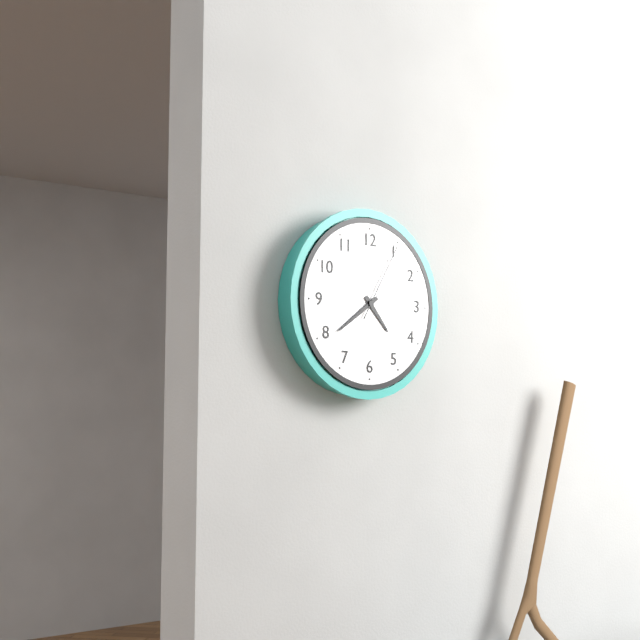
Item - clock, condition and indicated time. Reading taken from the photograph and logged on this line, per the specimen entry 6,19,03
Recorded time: 4,39,05
